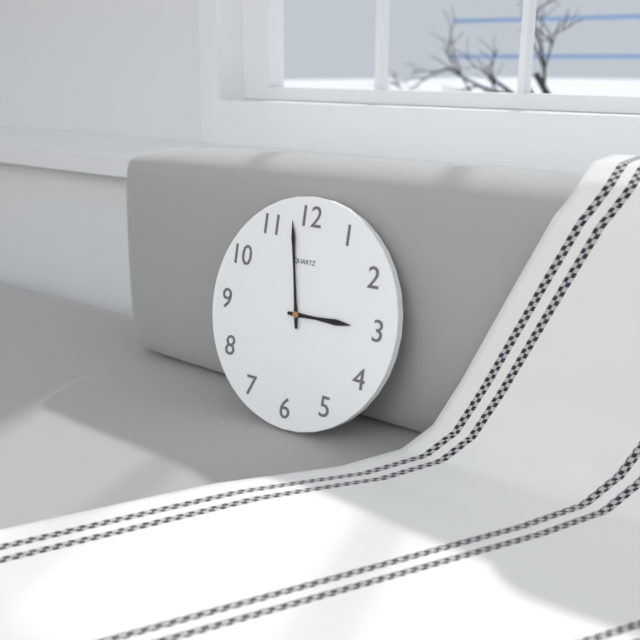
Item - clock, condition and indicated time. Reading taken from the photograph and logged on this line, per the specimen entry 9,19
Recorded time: 2,58
